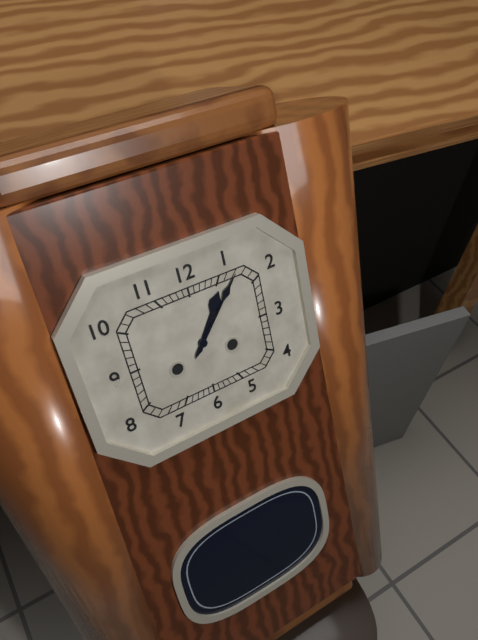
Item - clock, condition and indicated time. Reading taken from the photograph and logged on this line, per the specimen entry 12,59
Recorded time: 1,07
